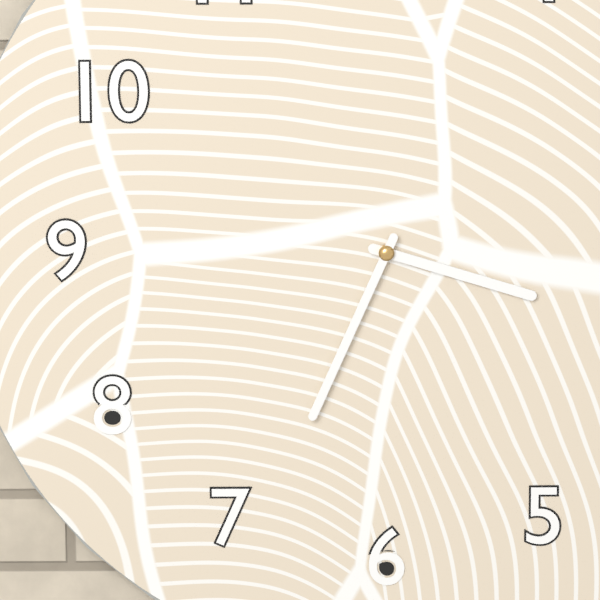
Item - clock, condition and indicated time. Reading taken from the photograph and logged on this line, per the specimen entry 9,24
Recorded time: 3,34
